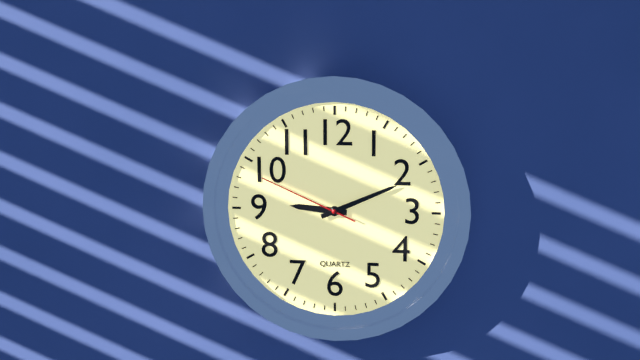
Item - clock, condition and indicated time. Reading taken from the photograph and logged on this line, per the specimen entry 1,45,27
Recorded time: 9,11,49
